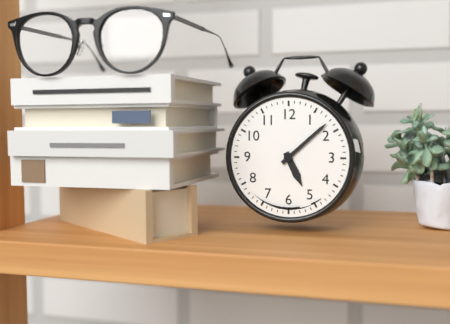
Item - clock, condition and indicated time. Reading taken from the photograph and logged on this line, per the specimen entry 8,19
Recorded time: 5,08
